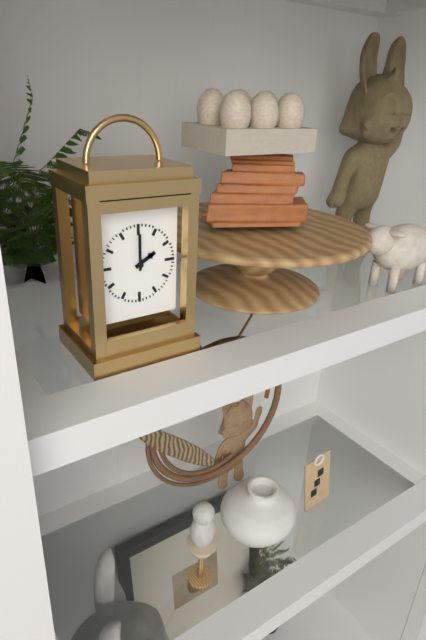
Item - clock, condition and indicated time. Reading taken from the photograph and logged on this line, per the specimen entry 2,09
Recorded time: 2,00
